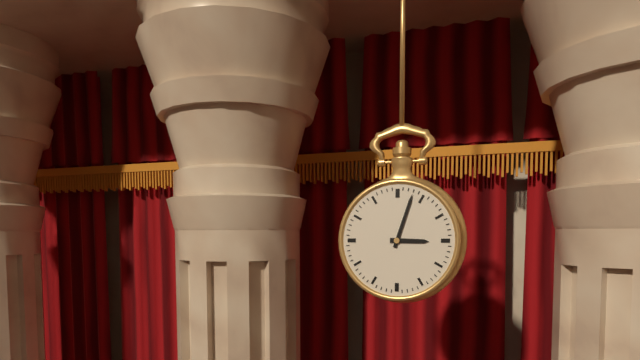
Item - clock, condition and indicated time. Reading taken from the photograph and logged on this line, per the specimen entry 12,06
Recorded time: 3,03
